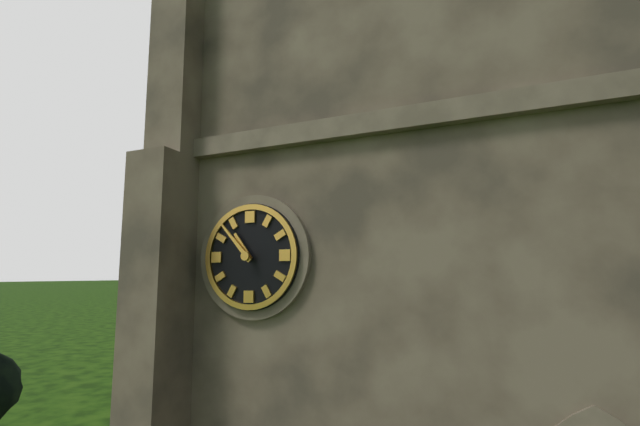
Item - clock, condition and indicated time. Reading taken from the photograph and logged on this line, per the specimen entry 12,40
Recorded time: 10,53
